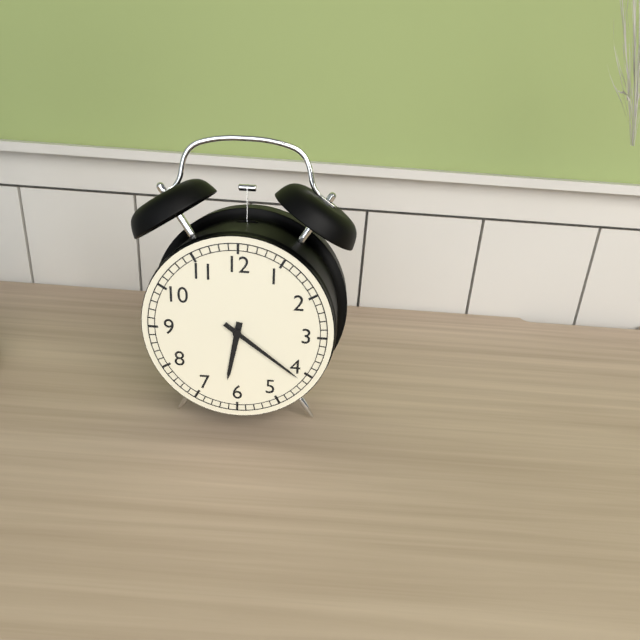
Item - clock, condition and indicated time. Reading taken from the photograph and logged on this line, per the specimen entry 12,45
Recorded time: 6,21
